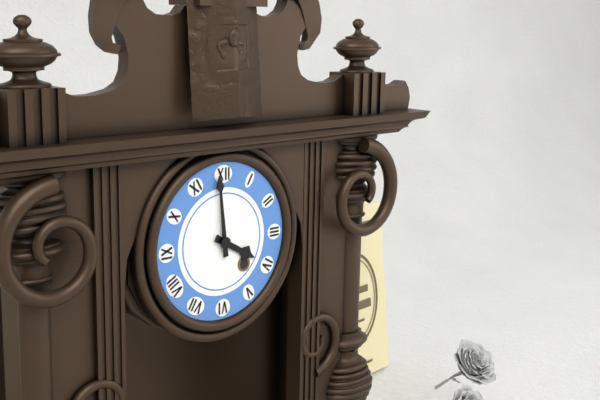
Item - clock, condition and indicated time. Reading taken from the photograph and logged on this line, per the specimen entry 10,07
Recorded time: 3,59
